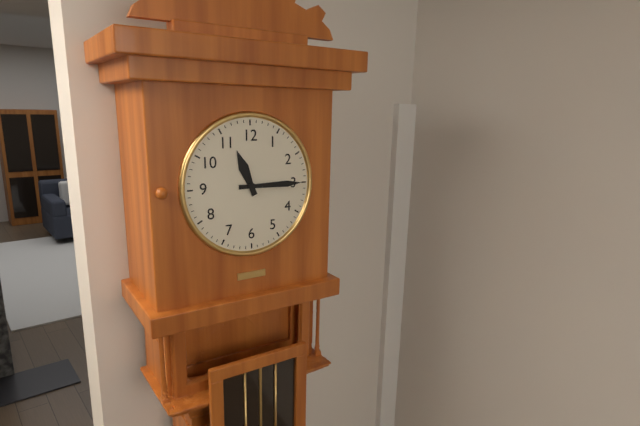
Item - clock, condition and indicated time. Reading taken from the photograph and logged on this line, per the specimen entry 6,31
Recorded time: 11,15
